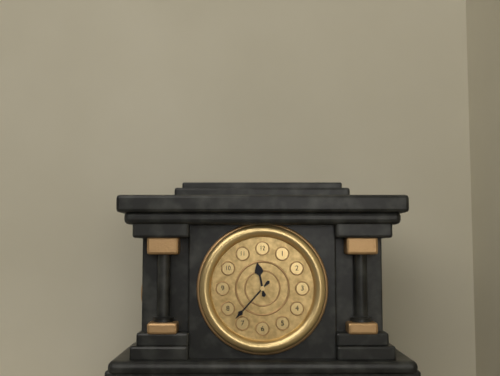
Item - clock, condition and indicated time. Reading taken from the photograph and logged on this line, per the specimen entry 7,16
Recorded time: 11,37
